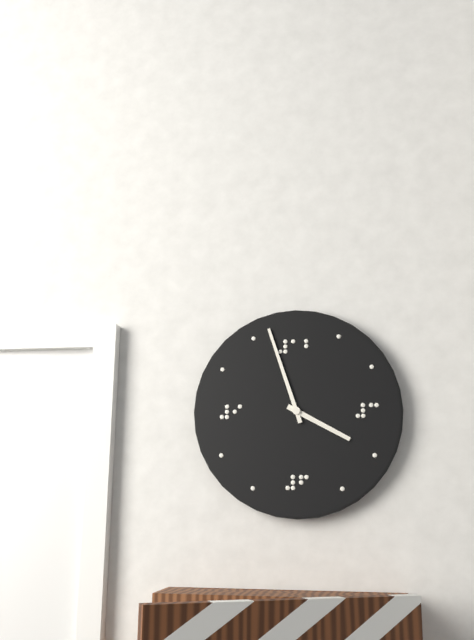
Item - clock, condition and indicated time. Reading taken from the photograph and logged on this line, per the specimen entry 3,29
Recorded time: 3,57
